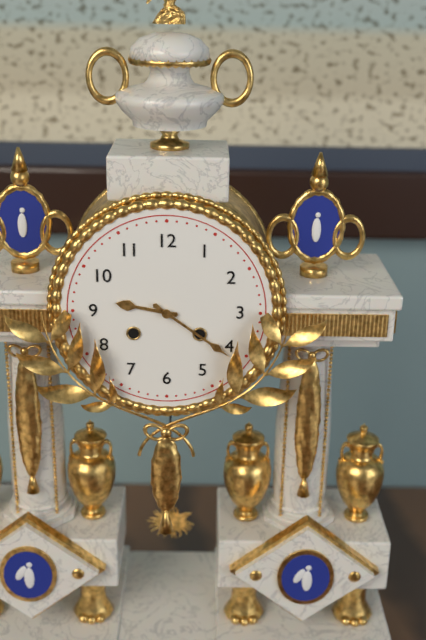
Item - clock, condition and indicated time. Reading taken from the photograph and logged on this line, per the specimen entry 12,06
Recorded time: 9,21
